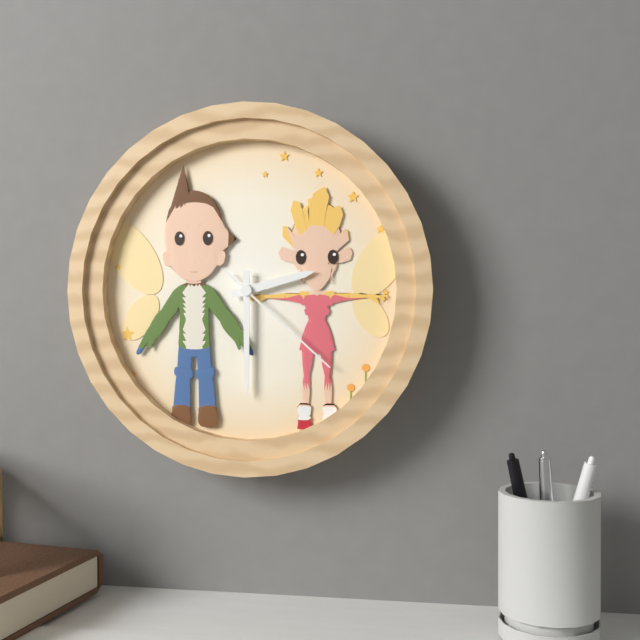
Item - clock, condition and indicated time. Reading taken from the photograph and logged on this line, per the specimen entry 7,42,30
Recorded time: 2,30,22
